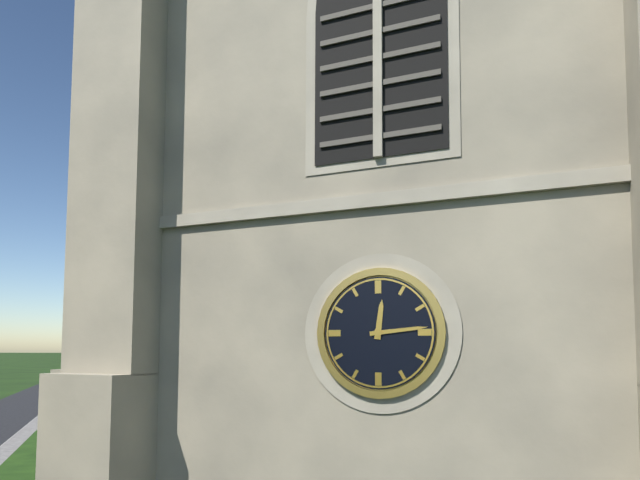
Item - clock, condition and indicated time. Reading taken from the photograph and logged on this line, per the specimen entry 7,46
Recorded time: 12,14
